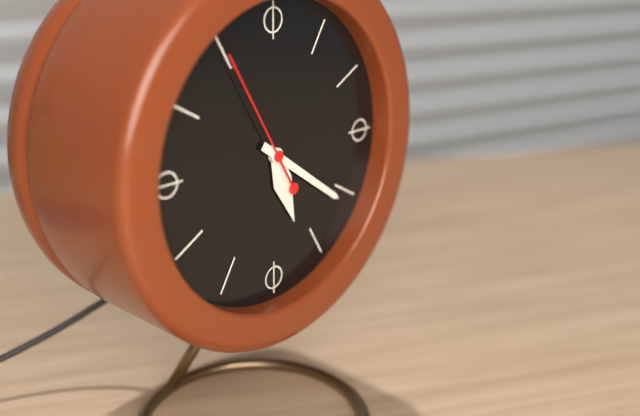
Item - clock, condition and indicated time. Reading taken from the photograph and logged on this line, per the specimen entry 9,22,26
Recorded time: 5,21,55
